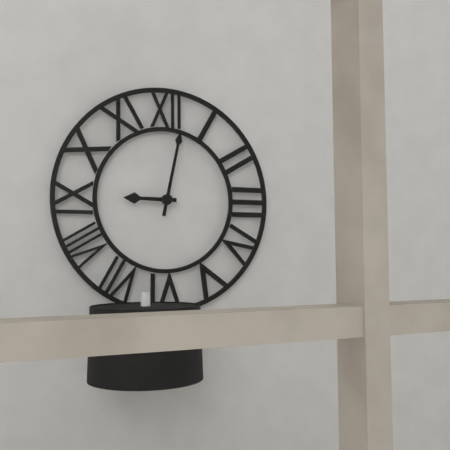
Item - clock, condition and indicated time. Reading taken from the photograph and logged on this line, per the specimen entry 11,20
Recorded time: 9,02
